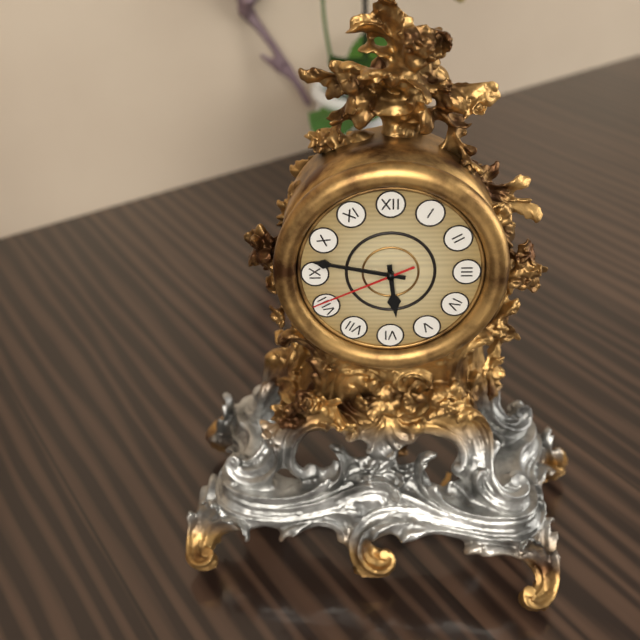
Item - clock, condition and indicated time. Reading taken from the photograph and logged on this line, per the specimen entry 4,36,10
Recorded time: 5,47,41
